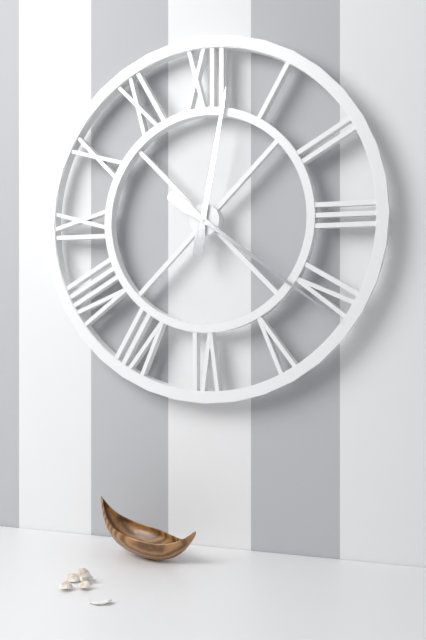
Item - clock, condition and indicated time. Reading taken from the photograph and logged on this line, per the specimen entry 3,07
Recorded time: 12,21
